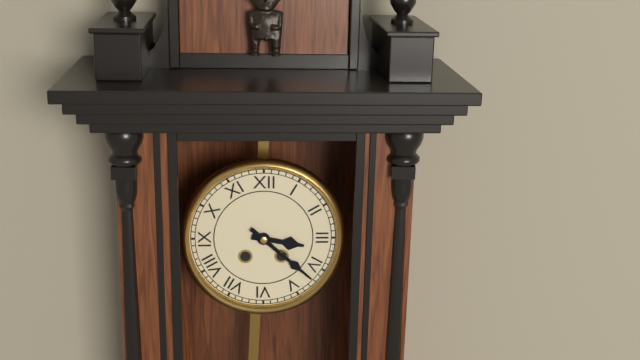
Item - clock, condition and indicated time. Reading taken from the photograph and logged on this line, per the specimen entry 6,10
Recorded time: 3,22
